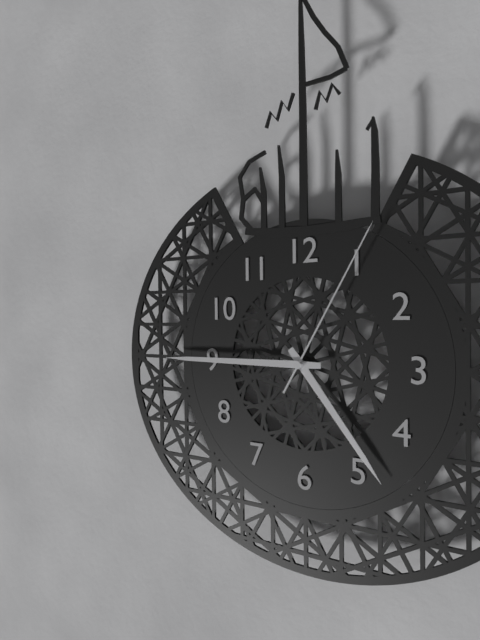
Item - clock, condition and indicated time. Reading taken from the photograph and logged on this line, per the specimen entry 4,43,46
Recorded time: 4,45,05
